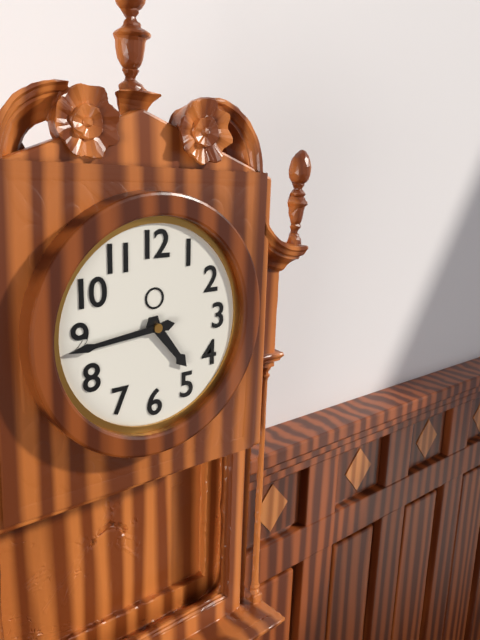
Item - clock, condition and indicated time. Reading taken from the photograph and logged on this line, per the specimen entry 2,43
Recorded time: 4,44
